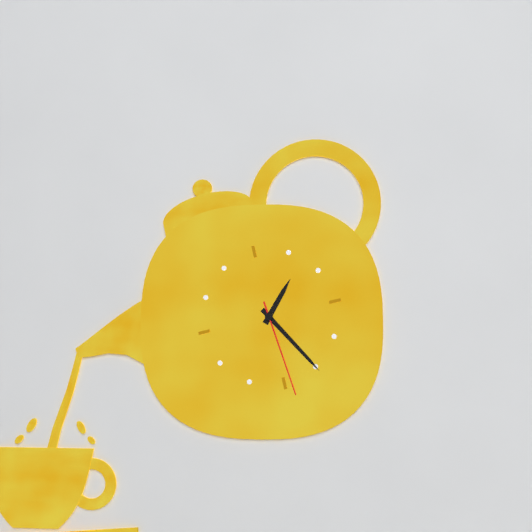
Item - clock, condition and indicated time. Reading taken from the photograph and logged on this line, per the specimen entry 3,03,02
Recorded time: 1,25,29
